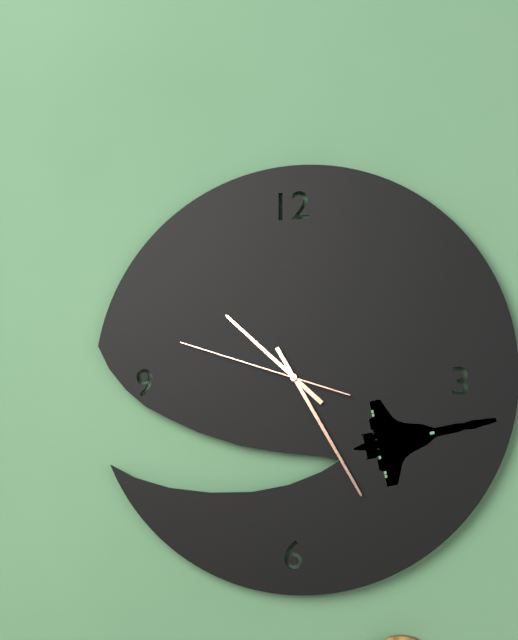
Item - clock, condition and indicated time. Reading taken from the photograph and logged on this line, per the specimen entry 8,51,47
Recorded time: 10,25,48
